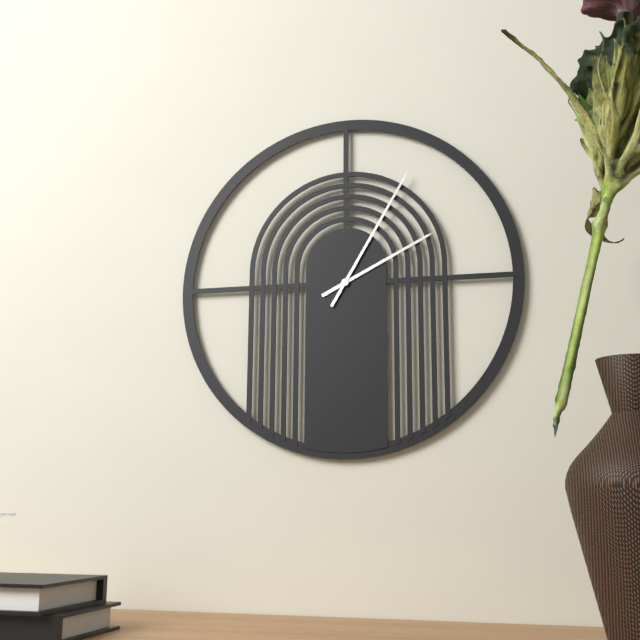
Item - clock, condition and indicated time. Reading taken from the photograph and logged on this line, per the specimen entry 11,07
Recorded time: 2,05
